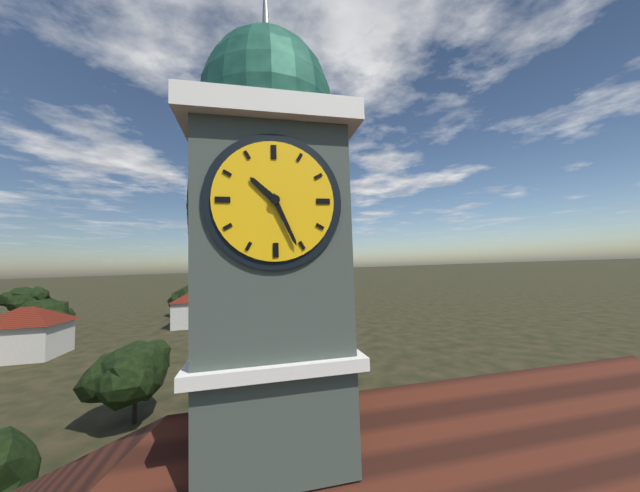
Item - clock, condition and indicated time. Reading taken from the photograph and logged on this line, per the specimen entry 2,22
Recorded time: 10,26
